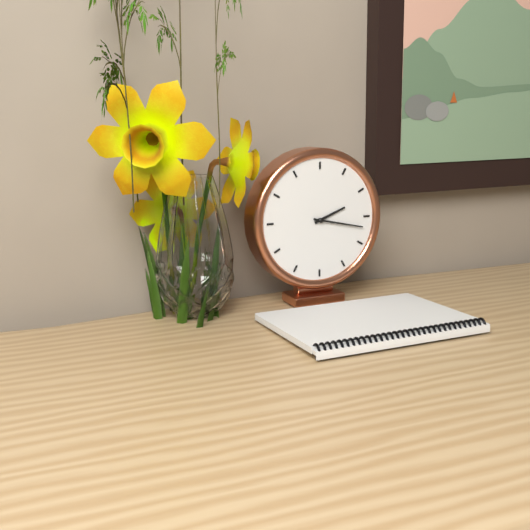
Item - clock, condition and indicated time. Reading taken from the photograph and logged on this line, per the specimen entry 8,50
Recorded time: 2,17
